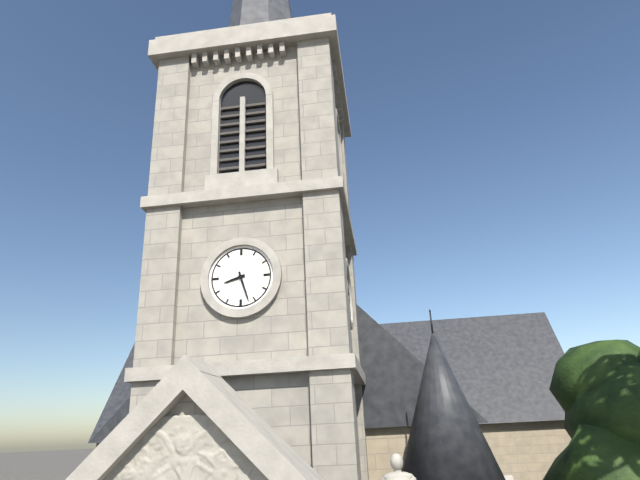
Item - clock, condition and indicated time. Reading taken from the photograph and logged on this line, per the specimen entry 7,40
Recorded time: 8,27
